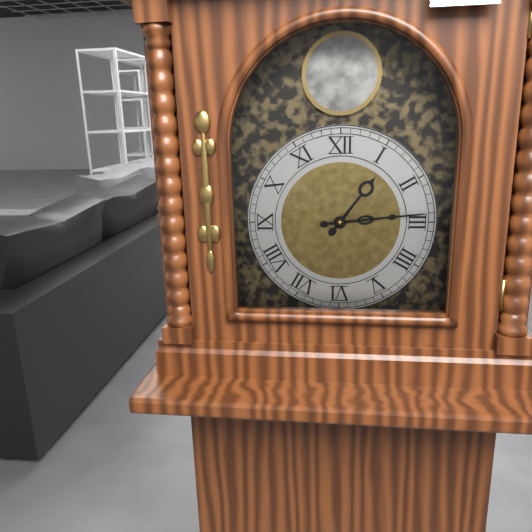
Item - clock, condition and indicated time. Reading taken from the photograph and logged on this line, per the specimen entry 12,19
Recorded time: 1,14
